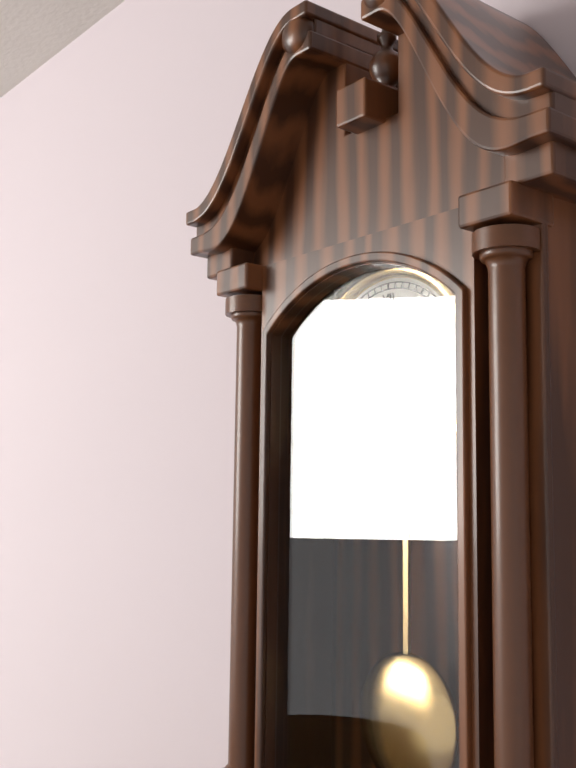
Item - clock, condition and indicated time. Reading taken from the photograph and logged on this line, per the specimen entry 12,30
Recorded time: 2,05
